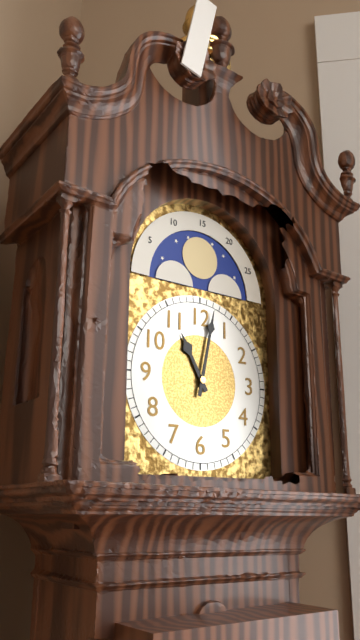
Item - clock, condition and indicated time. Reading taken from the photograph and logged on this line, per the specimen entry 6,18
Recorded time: 11,02
